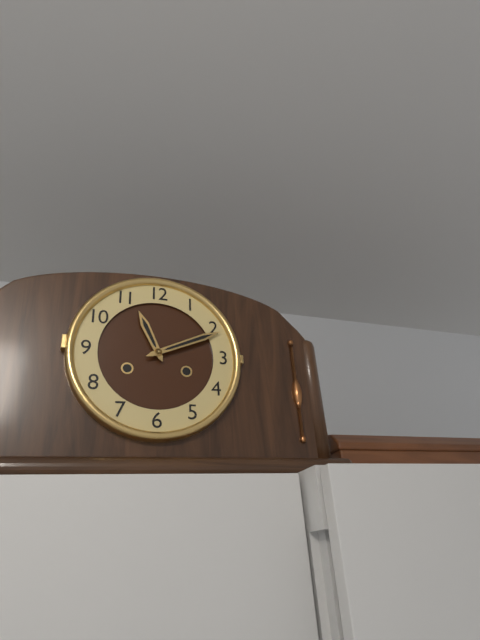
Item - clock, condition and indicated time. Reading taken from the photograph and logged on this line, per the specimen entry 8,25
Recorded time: 11,11
